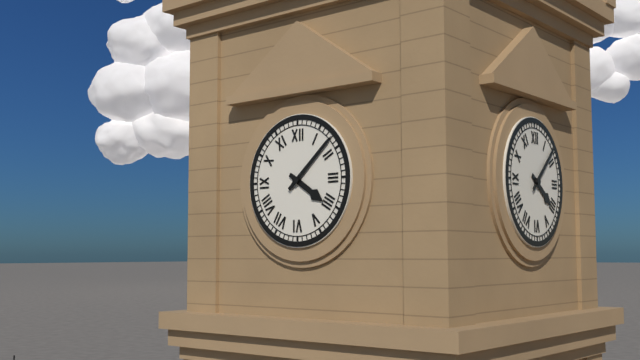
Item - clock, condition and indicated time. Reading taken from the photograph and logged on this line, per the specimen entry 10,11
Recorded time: 4,08
